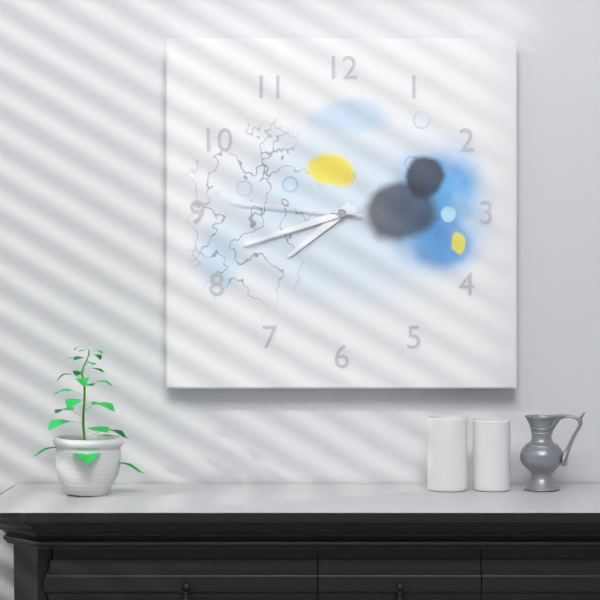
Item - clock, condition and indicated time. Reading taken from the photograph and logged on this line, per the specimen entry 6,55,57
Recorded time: 7,42,46
